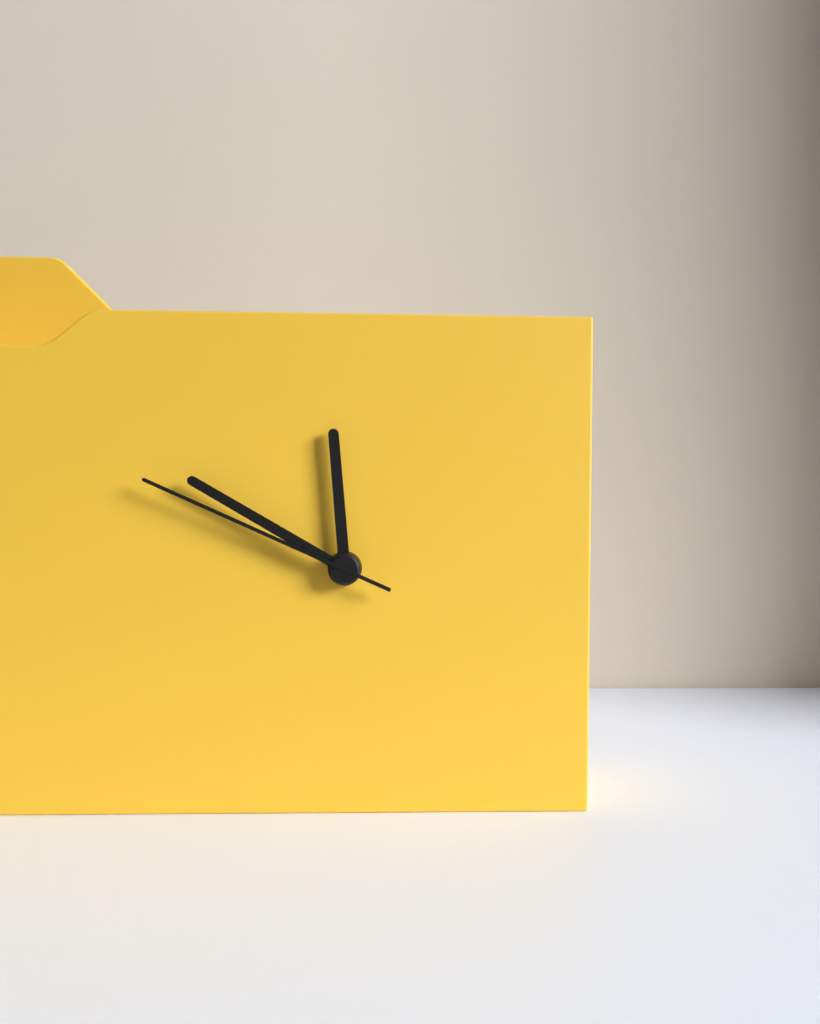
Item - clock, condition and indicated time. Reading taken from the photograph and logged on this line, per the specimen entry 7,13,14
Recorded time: 11,50,49
